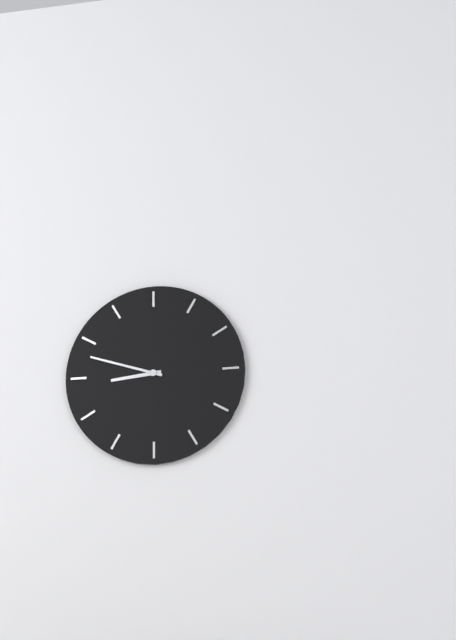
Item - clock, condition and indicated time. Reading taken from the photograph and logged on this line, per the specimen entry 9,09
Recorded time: 8,48
